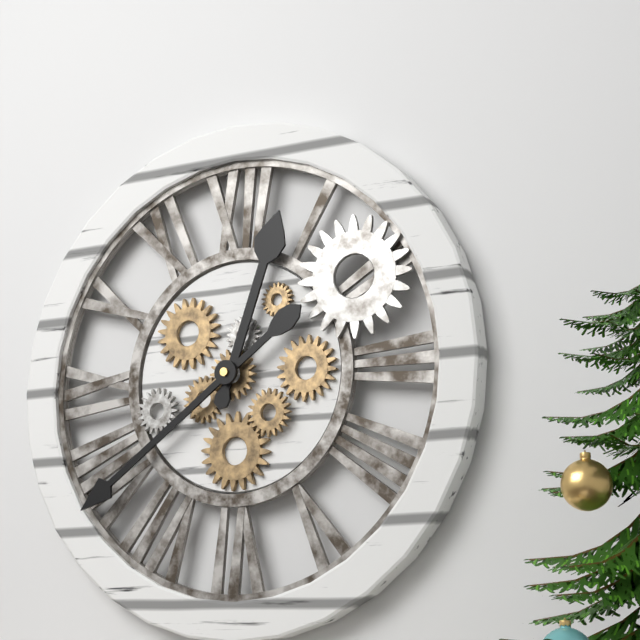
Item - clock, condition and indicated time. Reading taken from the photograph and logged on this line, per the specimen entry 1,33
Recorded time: 12,39
